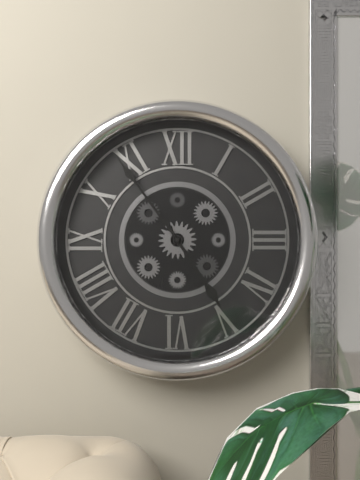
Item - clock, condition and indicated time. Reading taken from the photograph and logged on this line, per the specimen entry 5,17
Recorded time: 4,54
